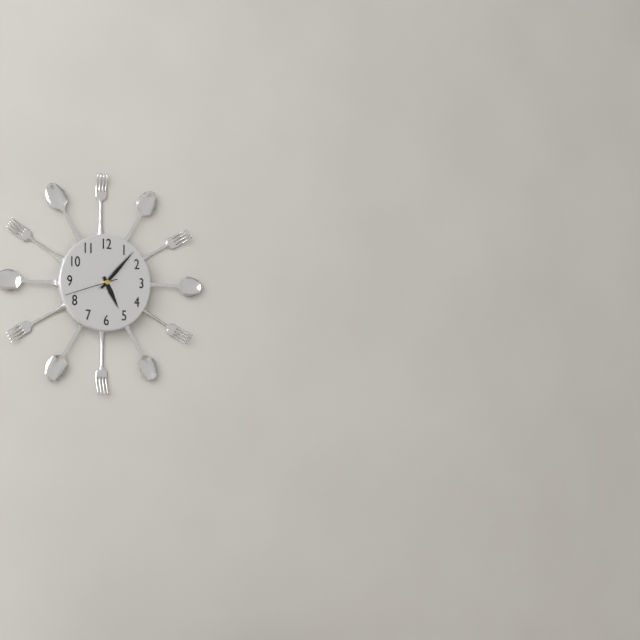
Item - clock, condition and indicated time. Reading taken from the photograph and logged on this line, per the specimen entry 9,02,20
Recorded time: 5,07,42
